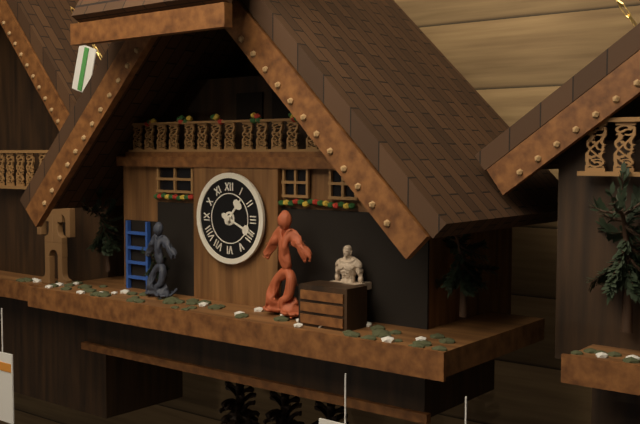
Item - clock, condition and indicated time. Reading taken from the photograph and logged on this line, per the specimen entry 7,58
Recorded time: 1,19
